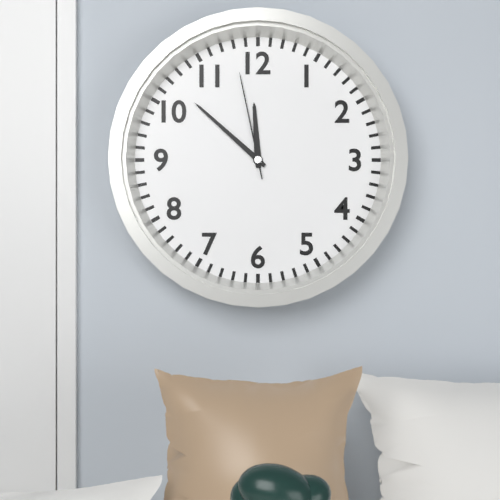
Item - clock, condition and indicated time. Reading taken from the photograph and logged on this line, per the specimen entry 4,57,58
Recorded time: 11,52,58
